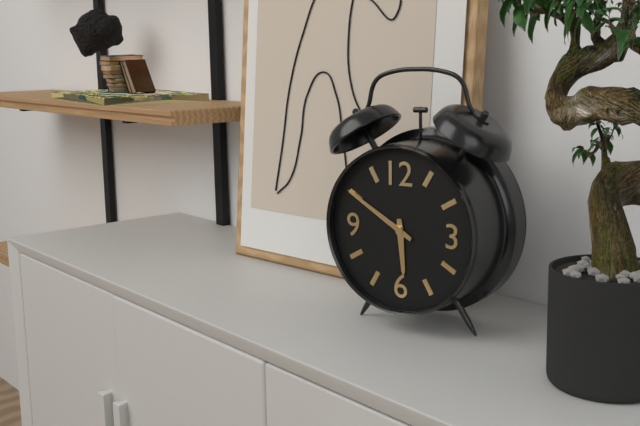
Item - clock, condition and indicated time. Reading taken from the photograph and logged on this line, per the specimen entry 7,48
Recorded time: 5,50
